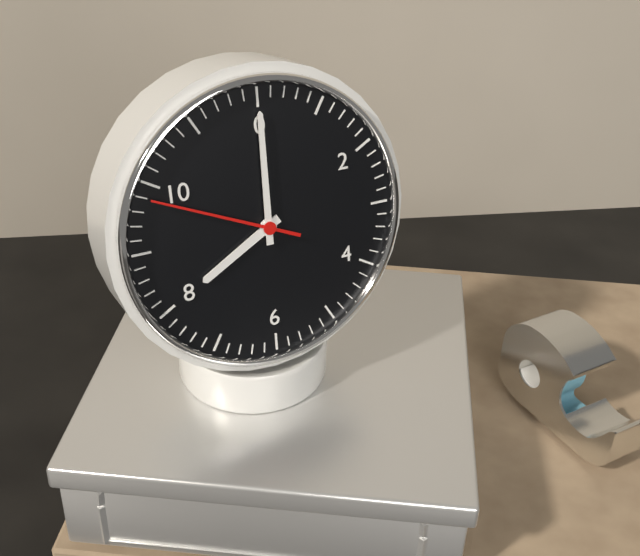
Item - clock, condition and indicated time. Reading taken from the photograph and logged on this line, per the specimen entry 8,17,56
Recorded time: 8,00,49
